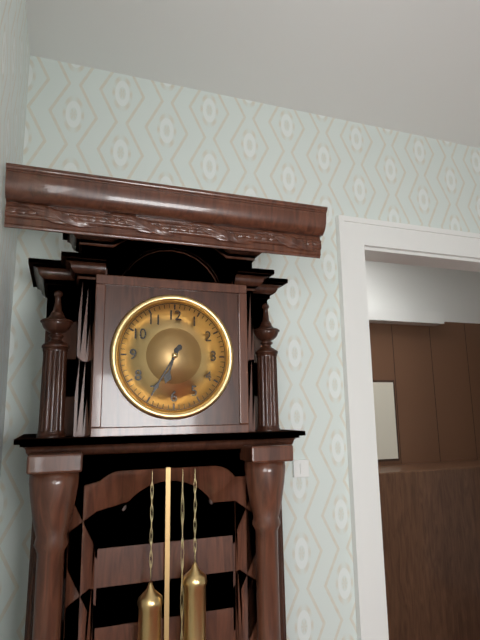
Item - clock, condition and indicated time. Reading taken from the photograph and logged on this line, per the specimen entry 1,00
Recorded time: 6,35
